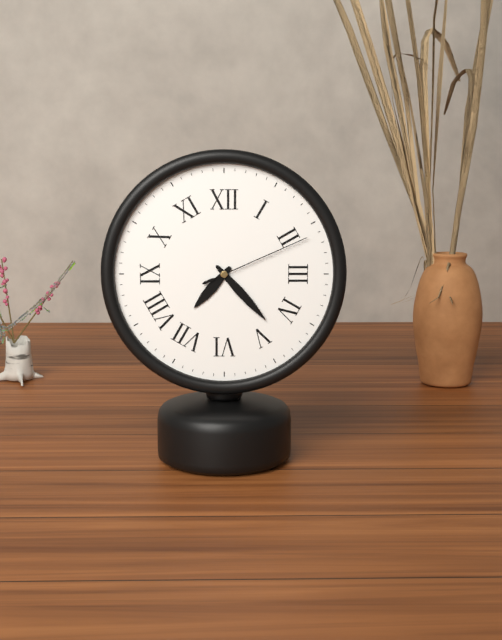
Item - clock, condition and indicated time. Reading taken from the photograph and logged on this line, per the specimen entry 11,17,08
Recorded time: 7,23,11
